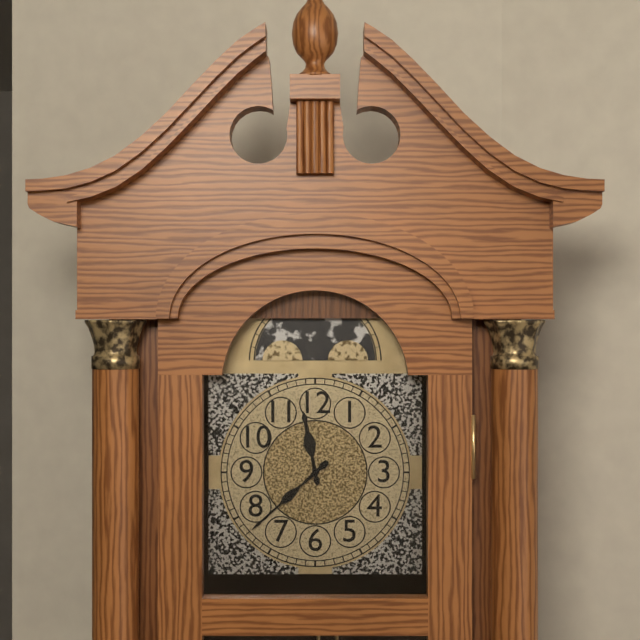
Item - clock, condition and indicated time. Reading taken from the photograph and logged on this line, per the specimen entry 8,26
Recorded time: 11,38
